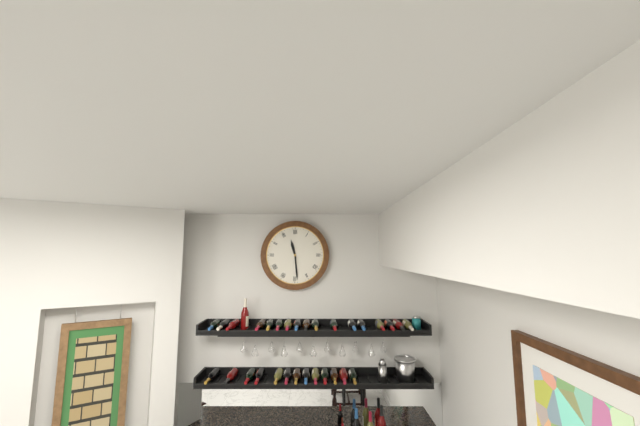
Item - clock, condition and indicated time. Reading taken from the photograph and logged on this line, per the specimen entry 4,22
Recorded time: 11,29
